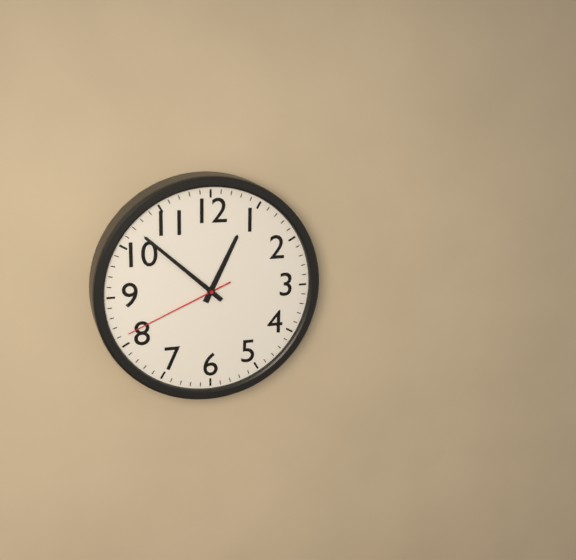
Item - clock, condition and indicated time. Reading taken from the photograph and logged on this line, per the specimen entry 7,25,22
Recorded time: 12,52,41
